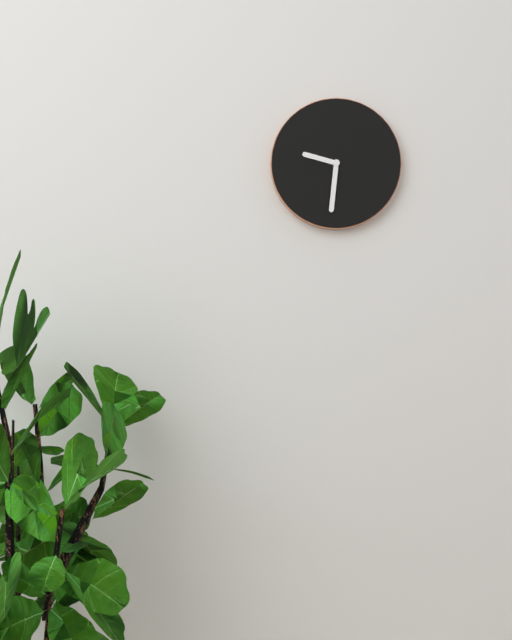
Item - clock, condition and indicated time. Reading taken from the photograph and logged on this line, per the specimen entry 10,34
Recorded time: 9,31
